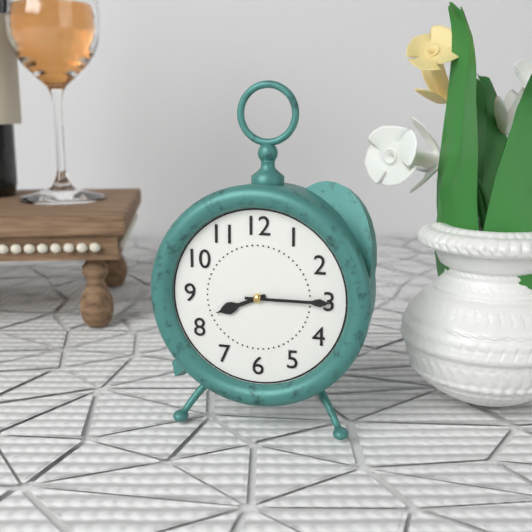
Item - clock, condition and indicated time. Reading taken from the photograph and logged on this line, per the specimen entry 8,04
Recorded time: 8,15
